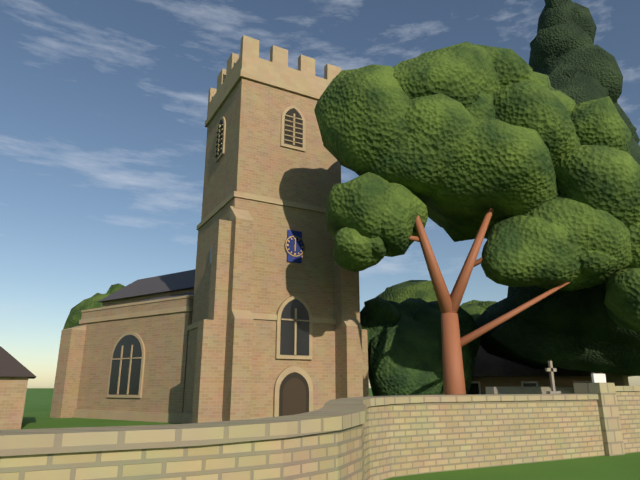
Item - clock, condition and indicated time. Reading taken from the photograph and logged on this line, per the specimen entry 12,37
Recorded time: 6,00
